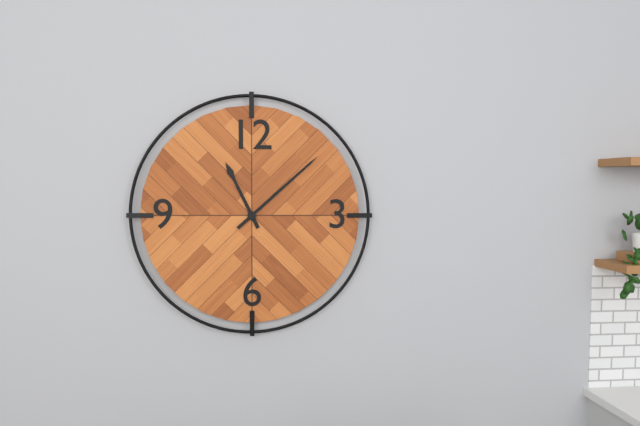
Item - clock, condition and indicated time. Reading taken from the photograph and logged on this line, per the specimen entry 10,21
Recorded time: 11,08
